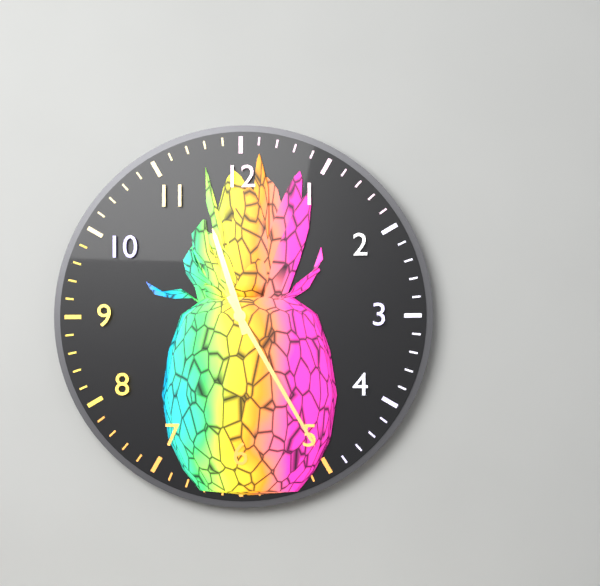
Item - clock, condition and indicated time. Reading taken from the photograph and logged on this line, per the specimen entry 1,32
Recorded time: 11,25
